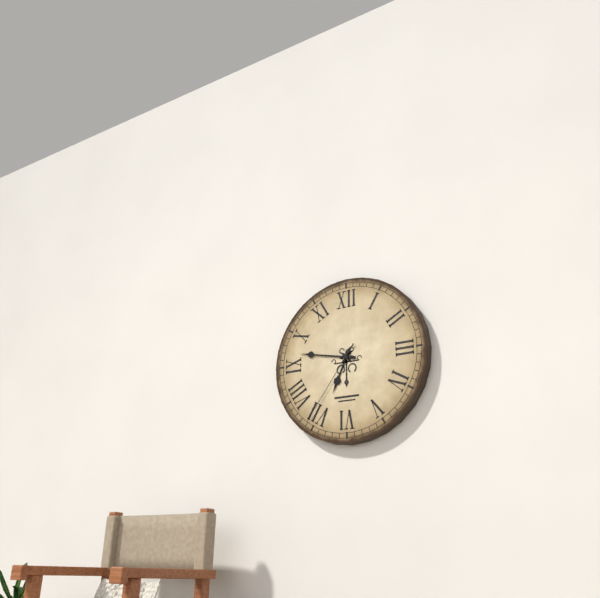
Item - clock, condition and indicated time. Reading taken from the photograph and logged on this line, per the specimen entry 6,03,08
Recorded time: 6,47,36
